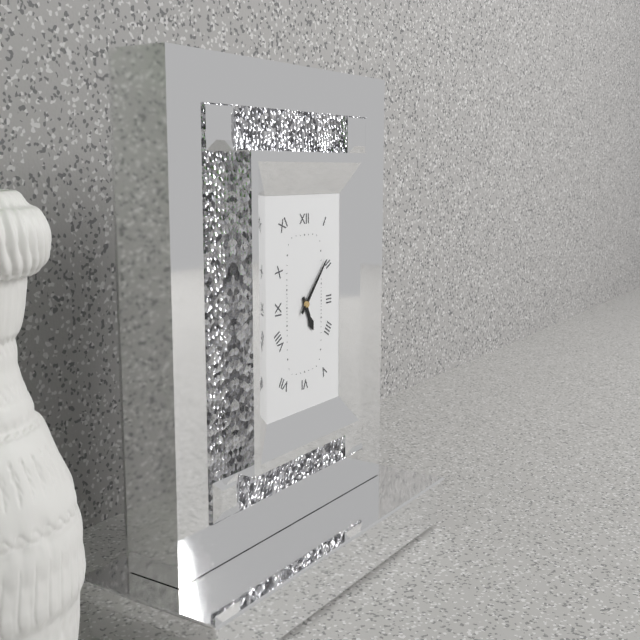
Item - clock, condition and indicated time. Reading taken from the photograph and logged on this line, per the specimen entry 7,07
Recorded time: 5,07
